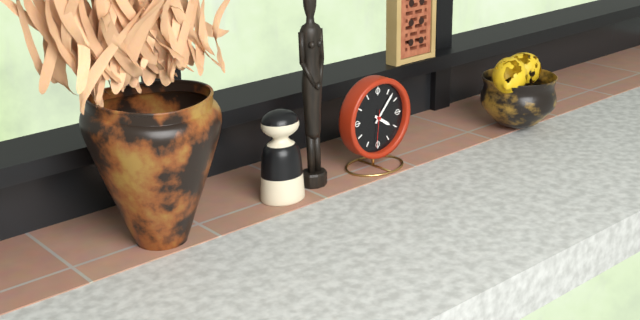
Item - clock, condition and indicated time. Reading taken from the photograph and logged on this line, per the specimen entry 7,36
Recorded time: 4,07
